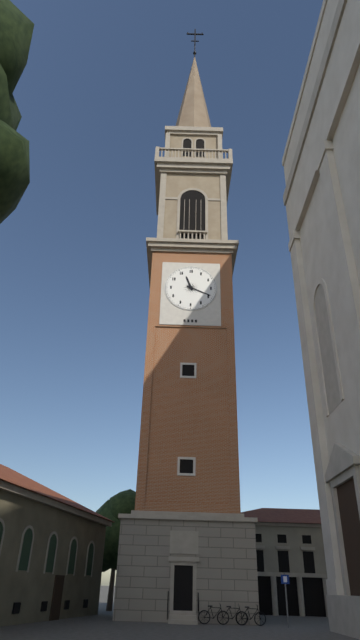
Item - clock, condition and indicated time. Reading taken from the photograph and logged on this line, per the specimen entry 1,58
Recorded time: 11,19
